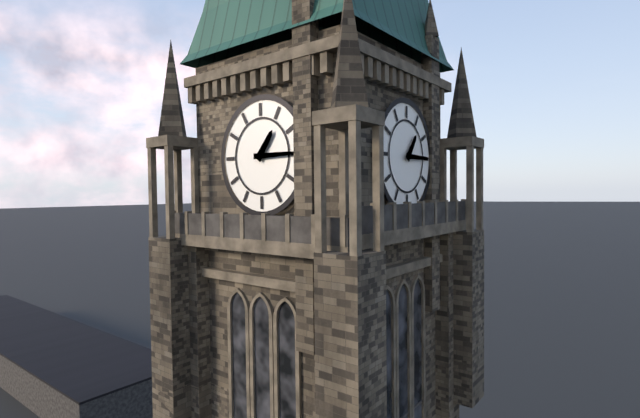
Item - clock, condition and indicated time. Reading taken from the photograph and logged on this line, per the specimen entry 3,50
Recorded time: 1,15
